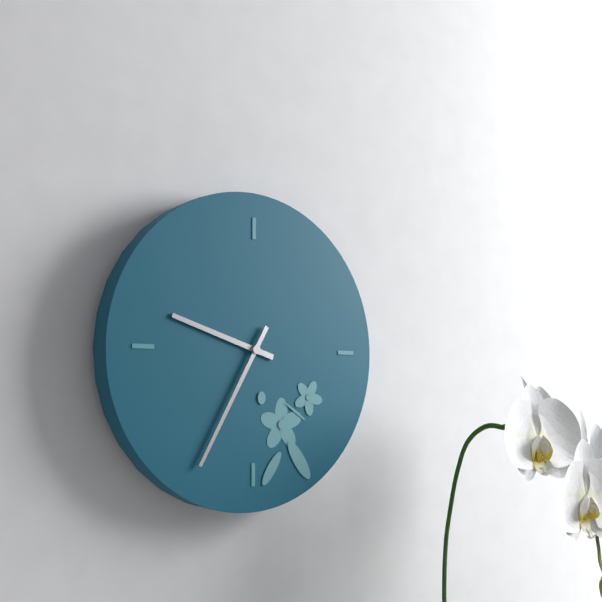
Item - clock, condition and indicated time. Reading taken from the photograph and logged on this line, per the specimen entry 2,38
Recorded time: 9,35
